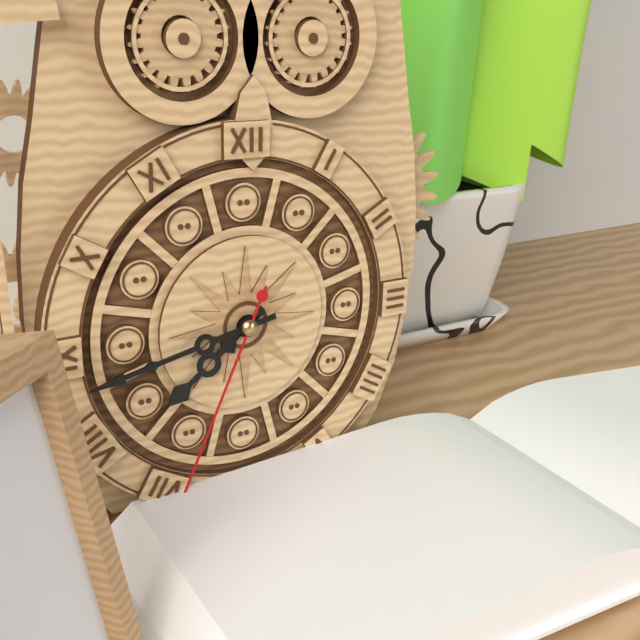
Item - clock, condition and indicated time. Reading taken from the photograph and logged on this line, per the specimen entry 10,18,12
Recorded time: 7,43,34
